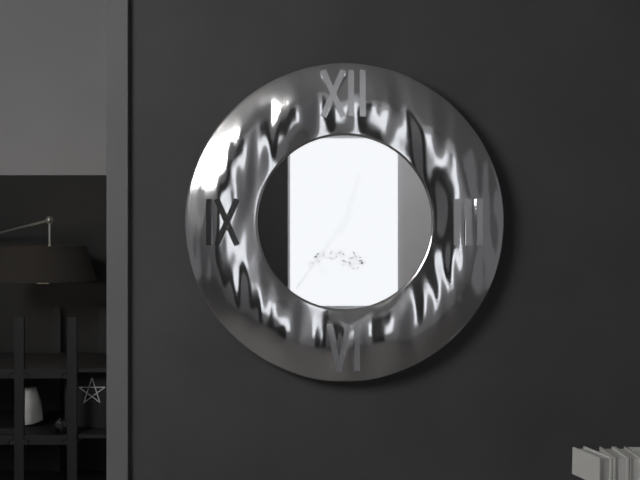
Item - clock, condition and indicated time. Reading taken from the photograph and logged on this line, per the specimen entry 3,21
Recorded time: 12,36
